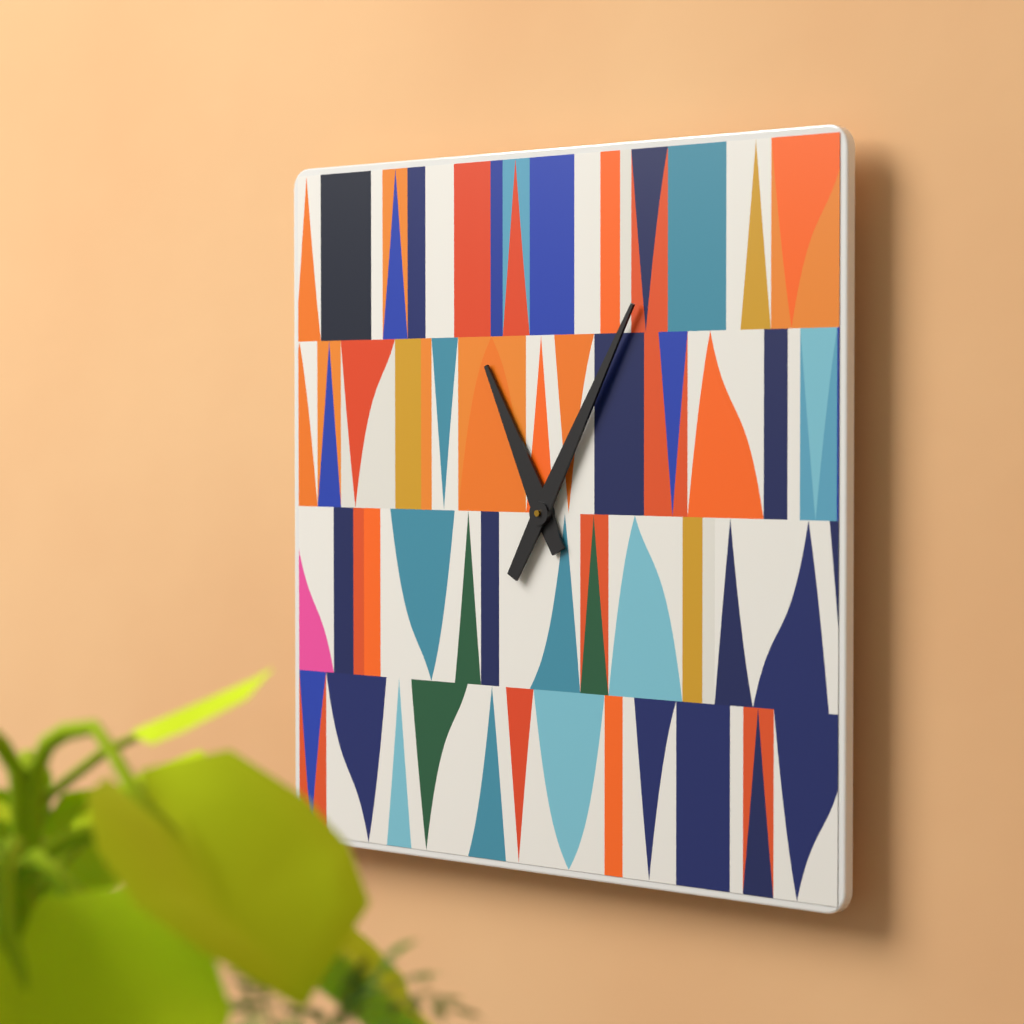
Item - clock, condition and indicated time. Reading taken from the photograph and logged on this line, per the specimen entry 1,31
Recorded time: 11,05
